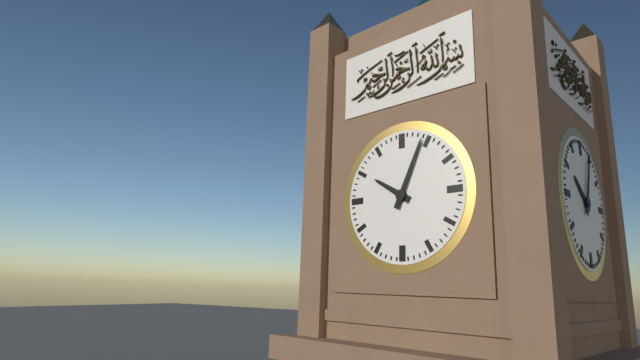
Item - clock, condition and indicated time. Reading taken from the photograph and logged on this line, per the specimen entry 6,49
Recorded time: 10,04
